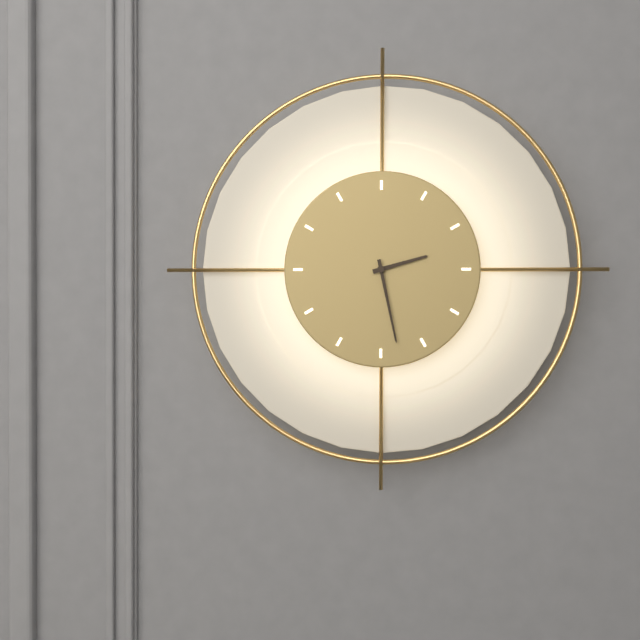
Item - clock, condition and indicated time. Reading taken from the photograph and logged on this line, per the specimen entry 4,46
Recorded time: 2,28
